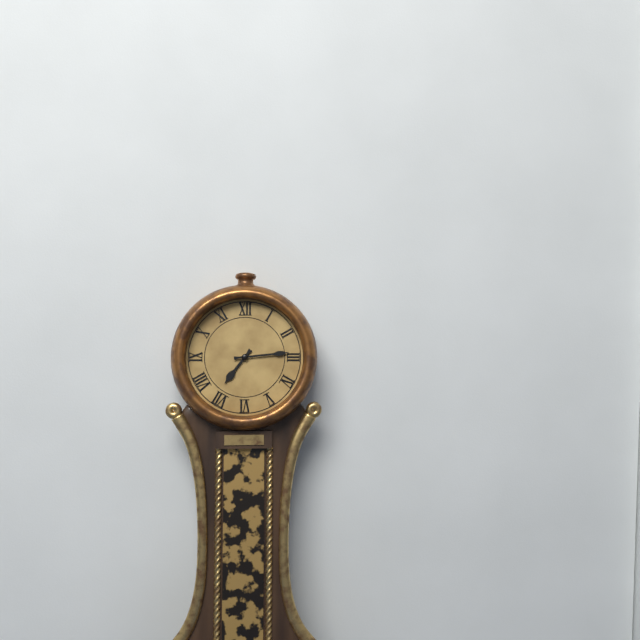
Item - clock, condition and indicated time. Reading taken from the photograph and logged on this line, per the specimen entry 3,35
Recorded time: 7,14
